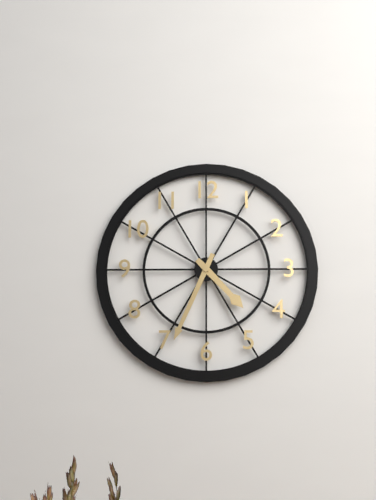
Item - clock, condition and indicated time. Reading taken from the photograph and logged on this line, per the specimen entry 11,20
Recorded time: 4,34
